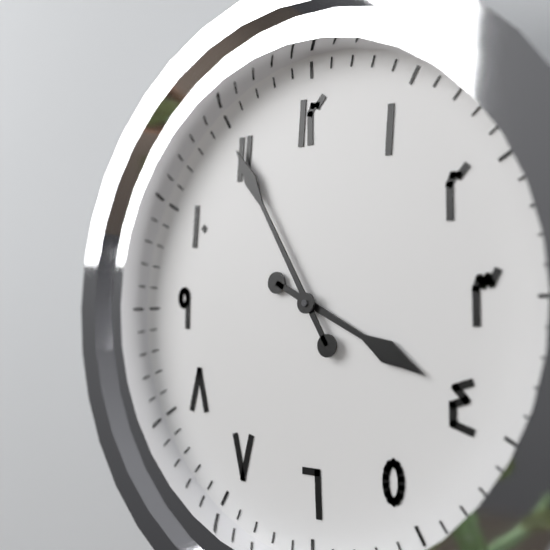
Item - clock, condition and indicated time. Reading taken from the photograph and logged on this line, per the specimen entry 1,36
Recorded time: 3,55
